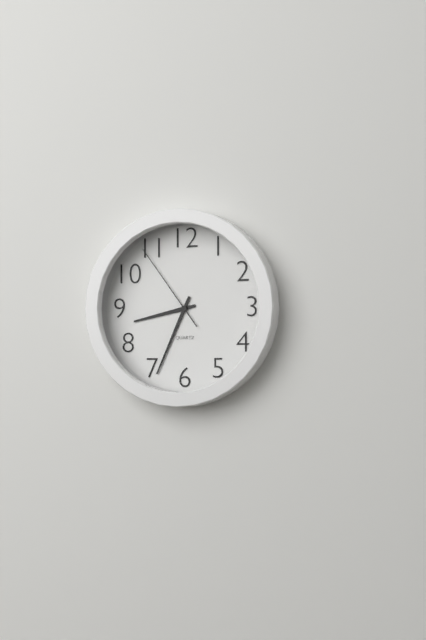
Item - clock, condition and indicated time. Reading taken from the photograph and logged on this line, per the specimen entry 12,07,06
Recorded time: 8,34,54
